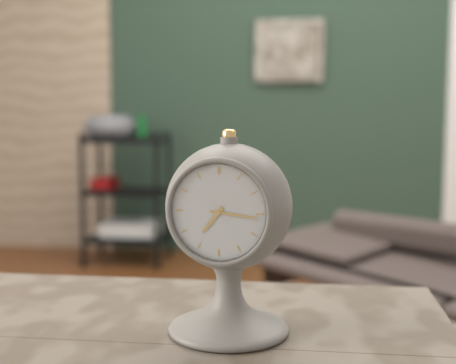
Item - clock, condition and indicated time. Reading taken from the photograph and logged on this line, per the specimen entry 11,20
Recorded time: 7,16
